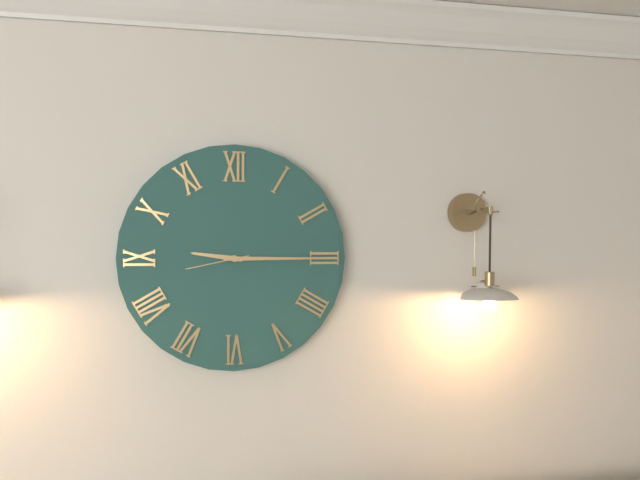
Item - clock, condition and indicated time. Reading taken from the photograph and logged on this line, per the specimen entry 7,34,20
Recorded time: 9,15,43
